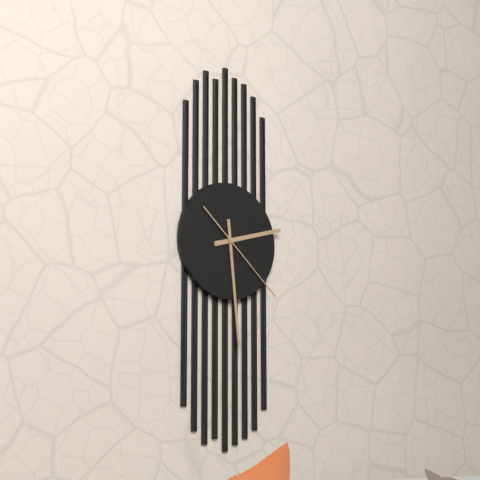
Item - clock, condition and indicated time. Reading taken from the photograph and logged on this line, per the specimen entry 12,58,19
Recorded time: 2,29,22
